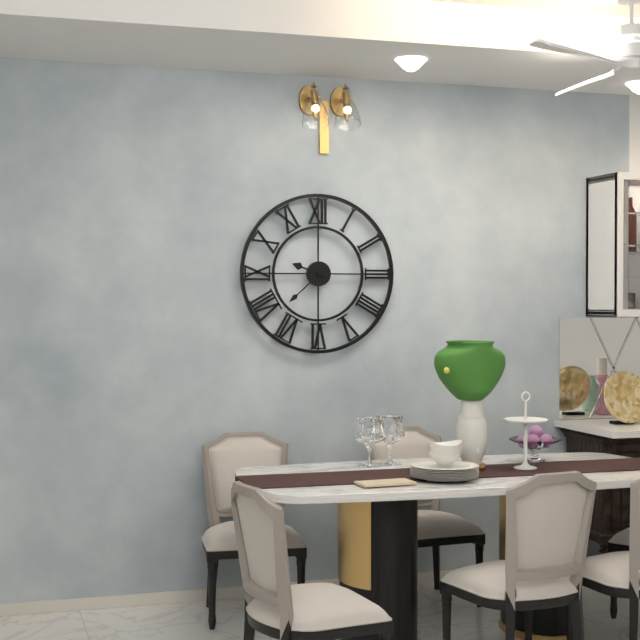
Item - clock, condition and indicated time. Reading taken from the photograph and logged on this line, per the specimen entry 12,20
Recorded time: 9,38
